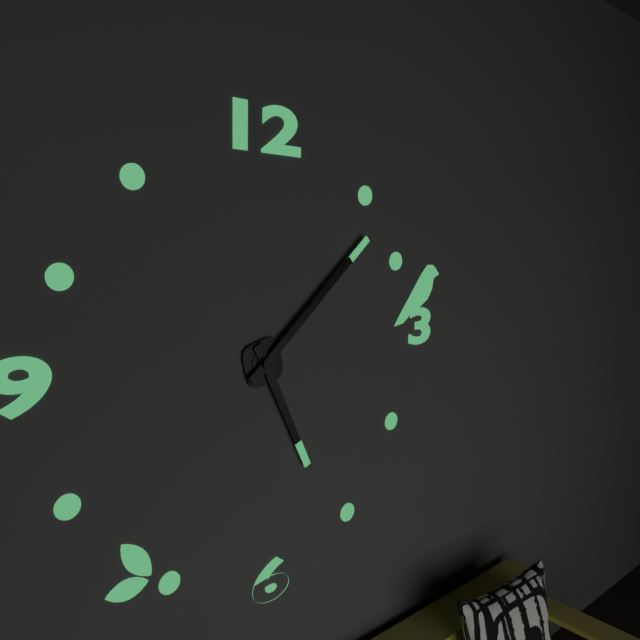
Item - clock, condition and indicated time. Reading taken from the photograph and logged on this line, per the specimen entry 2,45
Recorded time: 5,08
